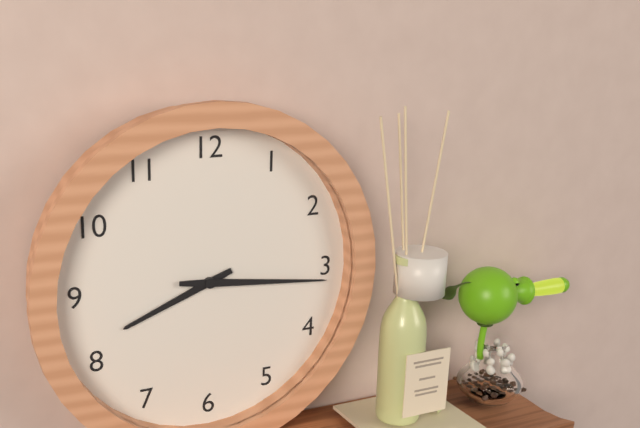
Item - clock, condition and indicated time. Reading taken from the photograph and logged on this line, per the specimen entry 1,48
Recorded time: 8,16
